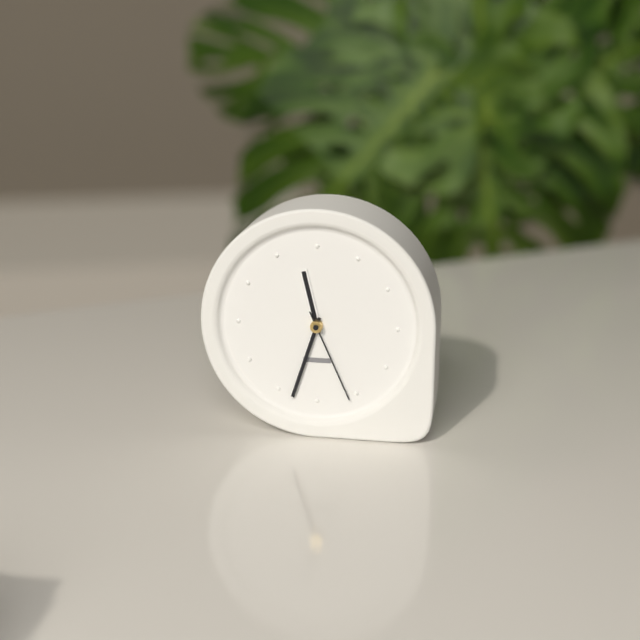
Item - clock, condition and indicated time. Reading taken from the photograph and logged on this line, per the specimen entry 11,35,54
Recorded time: 11,33,26
